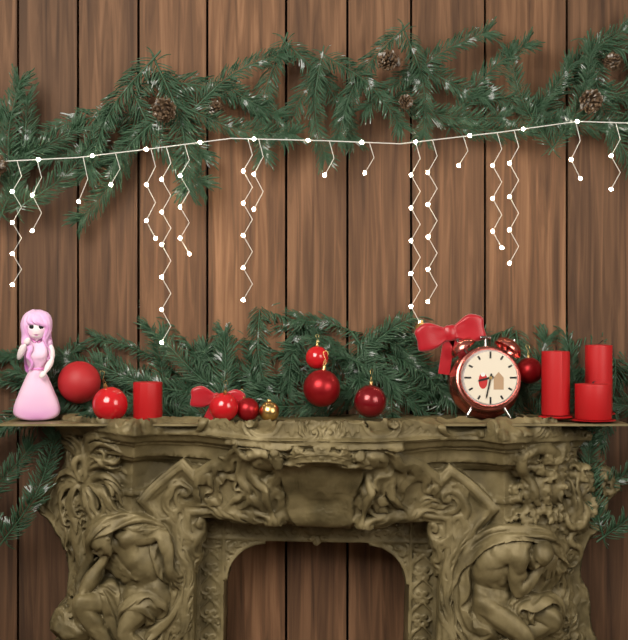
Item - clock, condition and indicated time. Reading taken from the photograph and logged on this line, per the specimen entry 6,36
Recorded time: 8,32
